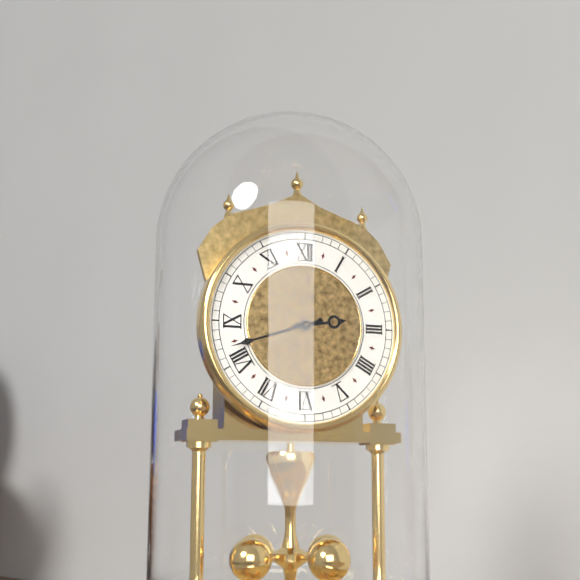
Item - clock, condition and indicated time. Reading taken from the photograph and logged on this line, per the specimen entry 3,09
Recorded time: 2,42
